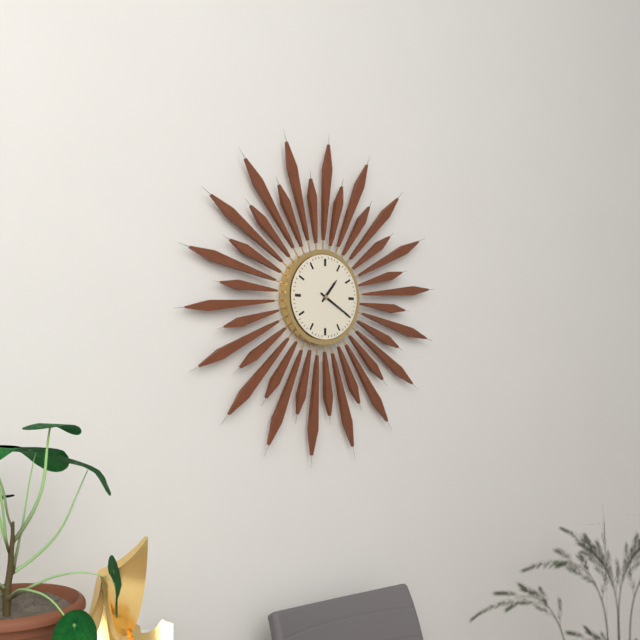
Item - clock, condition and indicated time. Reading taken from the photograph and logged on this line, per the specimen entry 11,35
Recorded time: 1,20
